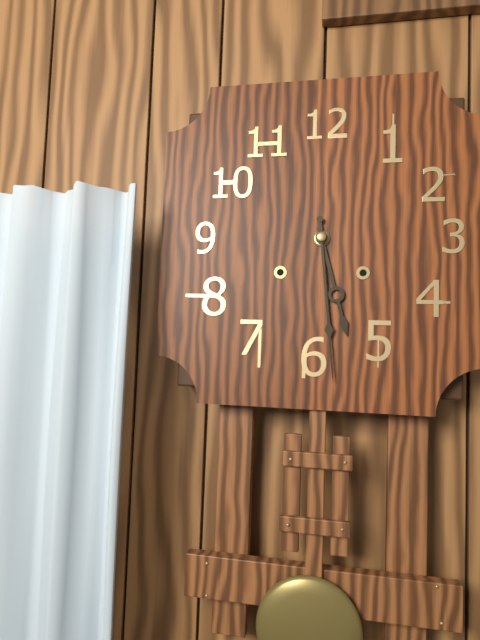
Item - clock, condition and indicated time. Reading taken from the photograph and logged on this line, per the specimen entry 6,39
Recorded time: 5,29
